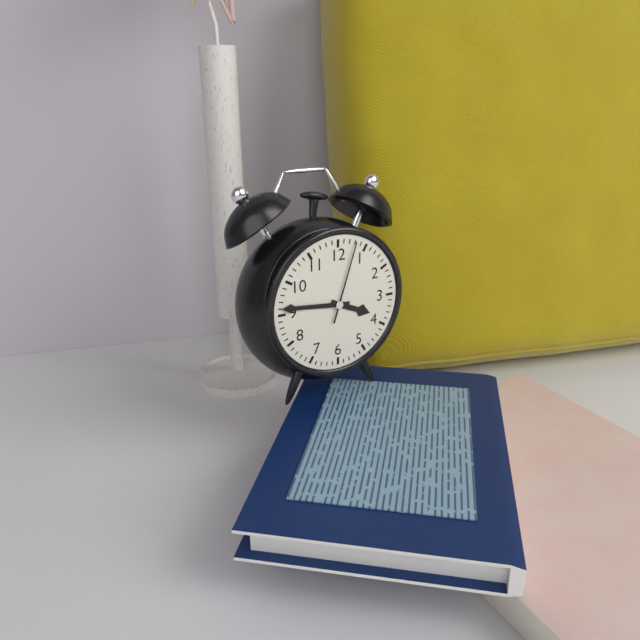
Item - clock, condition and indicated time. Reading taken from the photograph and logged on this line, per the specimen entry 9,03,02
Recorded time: 3,46,03
